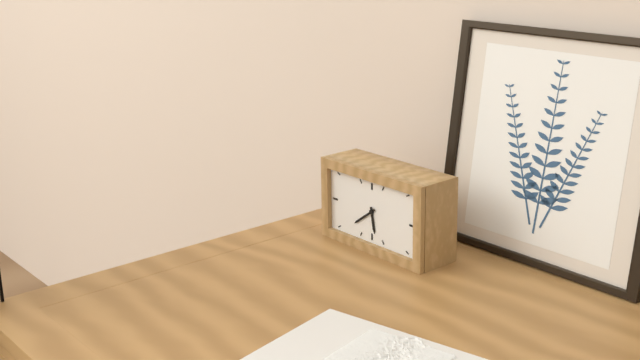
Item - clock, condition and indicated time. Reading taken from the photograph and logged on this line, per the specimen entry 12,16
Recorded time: 5,39
